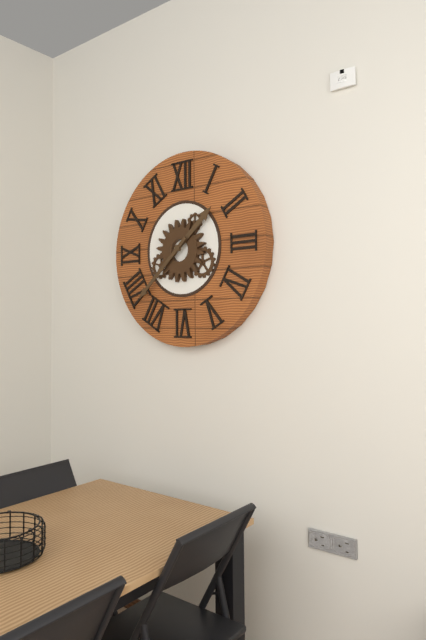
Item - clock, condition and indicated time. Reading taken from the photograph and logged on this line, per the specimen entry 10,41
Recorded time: 1,38
